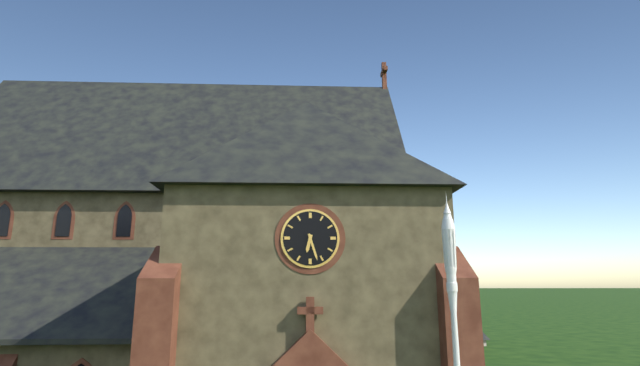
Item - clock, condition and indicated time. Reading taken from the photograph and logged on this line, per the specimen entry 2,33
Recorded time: 6,27
